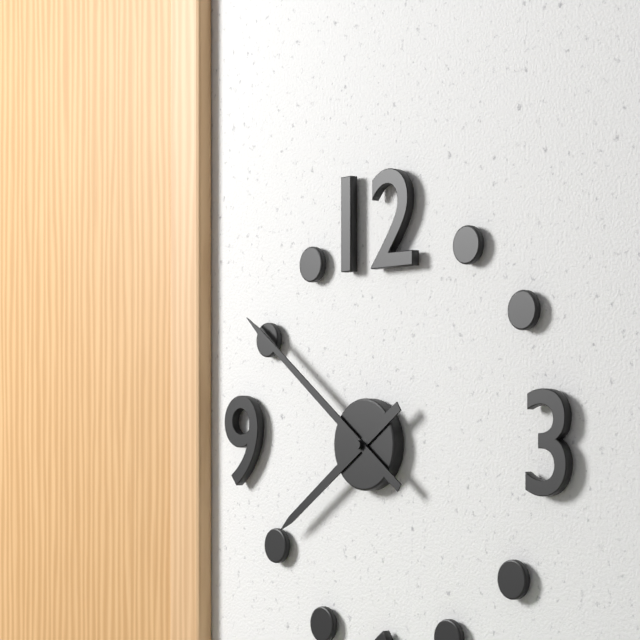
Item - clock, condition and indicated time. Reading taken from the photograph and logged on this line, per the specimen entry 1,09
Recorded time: 7,51
